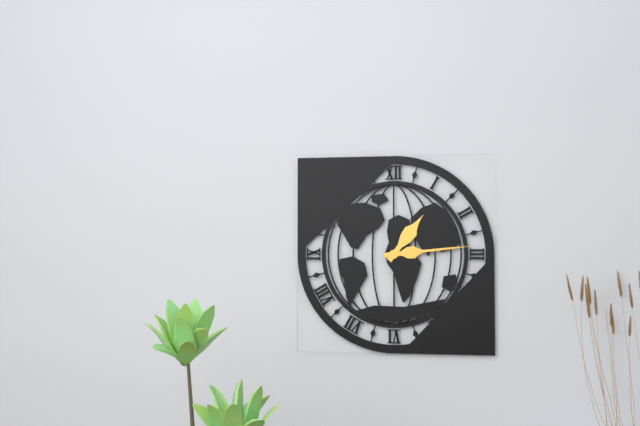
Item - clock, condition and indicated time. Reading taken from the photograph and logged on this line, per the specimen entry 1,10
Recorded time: 1,14
